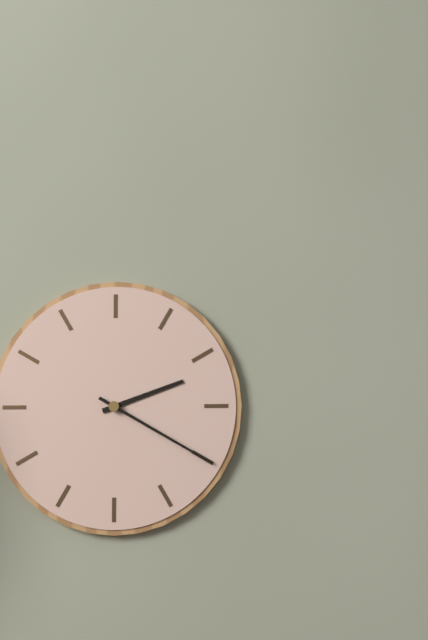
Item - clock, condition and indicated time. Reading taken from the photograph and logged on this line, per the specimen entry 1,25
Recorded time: 2,20
